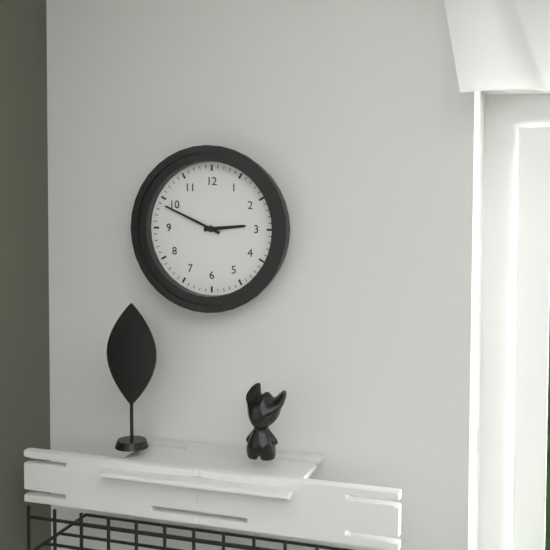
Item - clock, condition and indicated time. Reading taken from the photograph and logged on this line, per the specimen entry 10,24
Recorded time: 2,49
